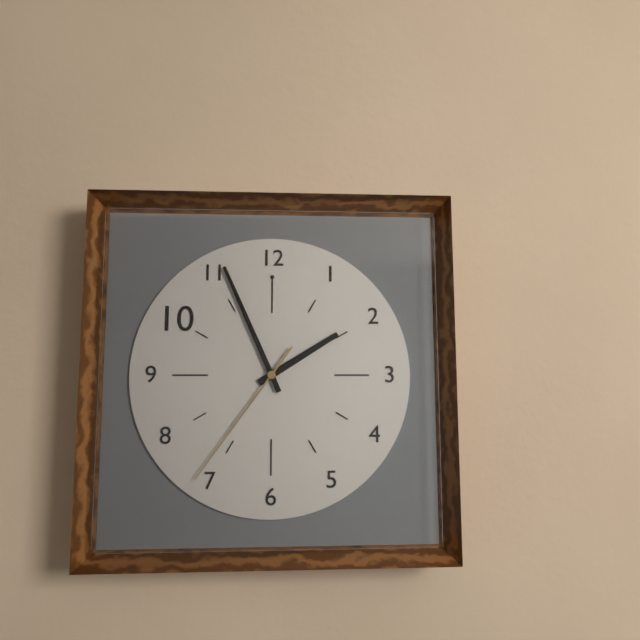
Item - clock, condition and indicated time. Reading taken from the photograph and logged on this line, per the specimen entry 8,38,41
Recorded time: 1,56,36
